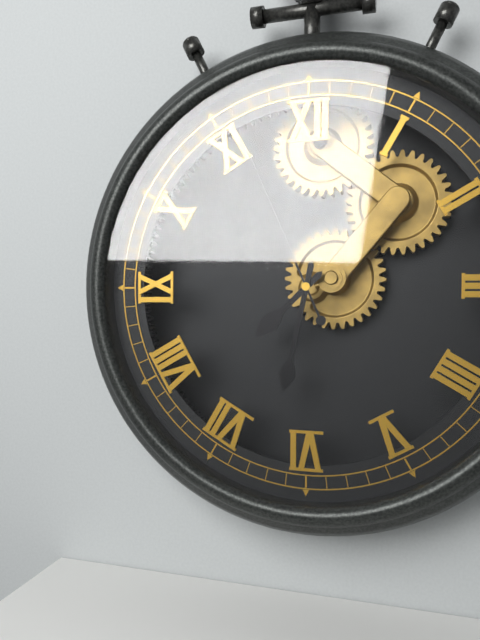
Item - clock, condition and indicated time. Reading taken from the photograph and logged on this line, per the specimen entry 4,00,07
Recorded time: 7,32,56
